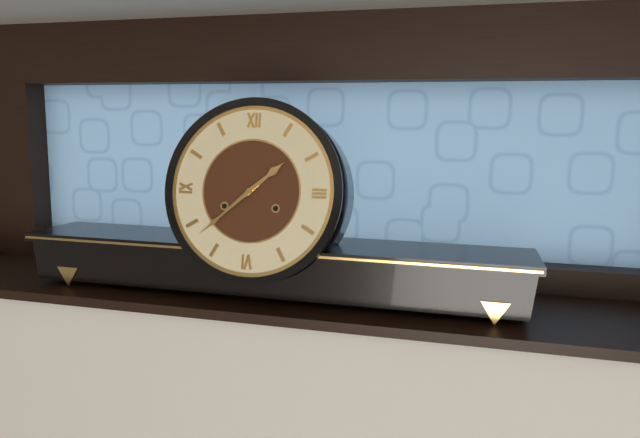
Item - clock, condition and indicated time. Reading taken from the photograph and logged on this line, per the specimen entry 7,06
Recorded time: 1,38
